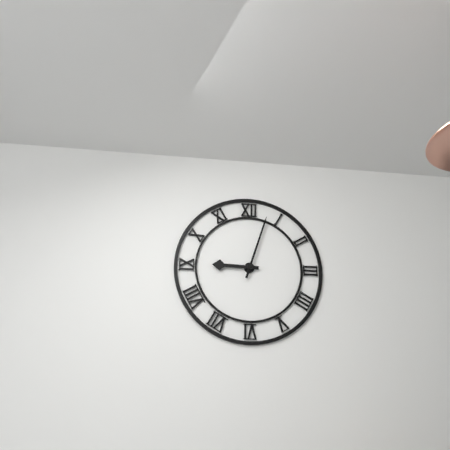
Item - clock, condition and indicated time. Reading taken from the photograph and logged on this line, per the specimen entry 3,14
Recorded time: 9,03
